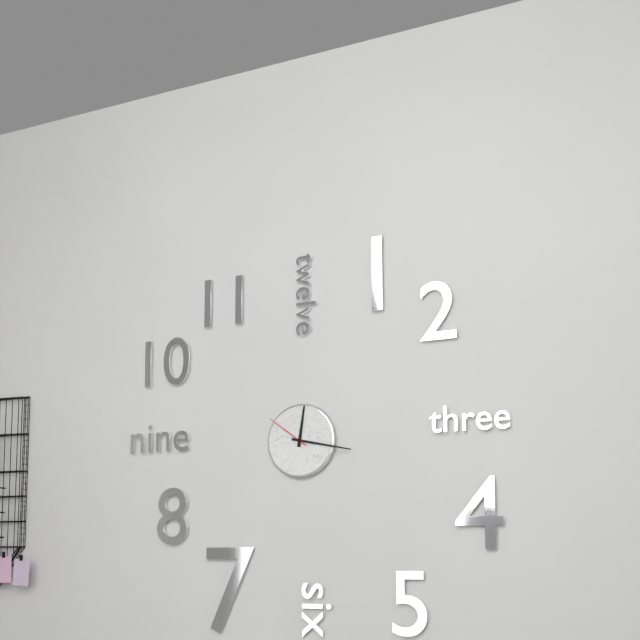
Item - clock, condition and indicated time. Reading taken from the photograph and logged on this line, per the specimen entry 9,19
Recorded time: 12,17
